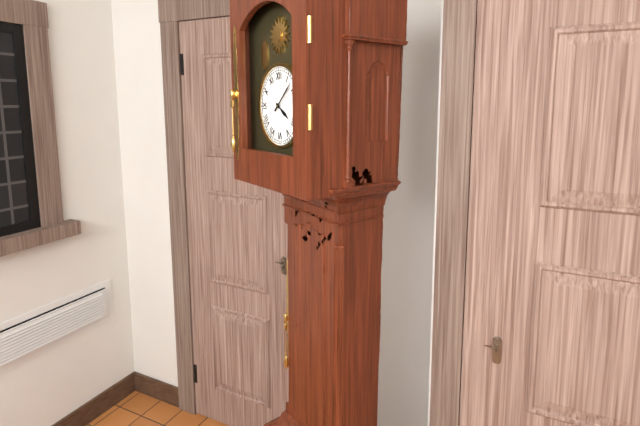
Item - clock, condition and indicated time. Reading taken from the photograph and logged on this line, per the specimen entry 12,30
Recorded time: 4,08
